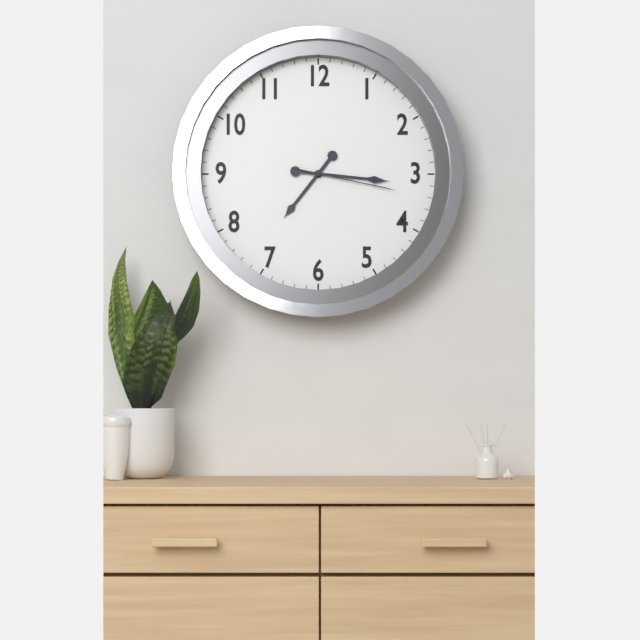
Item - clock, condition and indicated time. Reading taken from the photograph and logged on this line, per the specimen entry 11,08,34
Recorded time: 7,16,17
